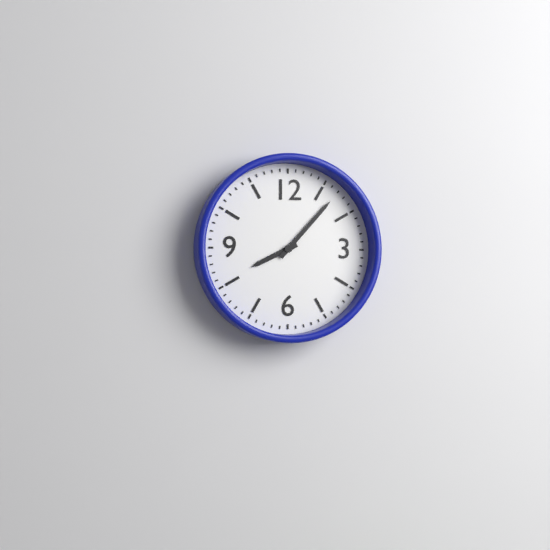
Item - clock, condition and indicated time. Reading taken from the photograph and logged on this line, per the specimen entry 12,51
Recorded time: 8,07
